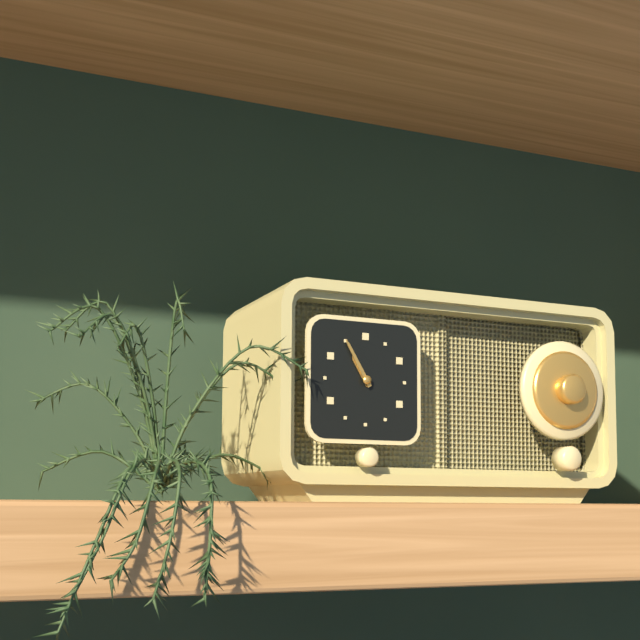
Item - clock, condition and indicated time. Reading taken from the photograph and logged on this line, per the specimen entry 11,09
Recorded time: 10,55
